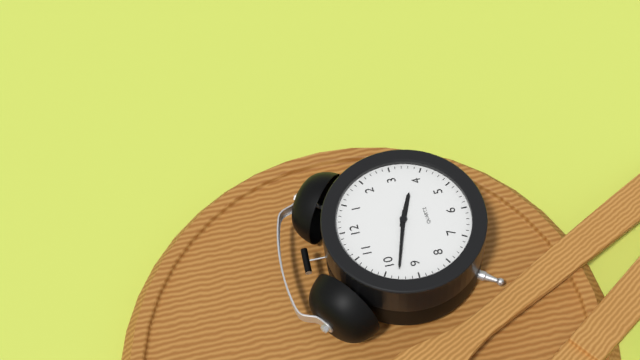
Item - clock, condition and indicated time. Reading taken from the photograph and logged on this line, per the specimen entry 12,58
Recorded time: 3,48
